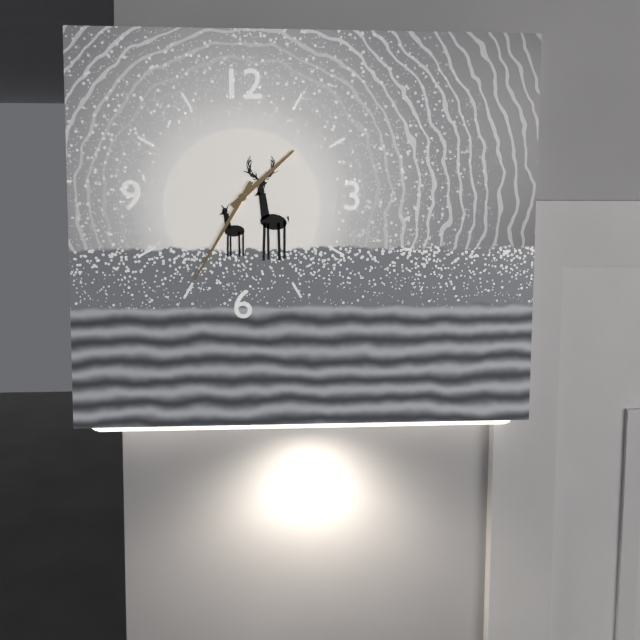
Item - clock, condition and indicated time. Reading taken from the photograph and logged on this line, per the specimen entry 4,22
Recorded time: 1,35
